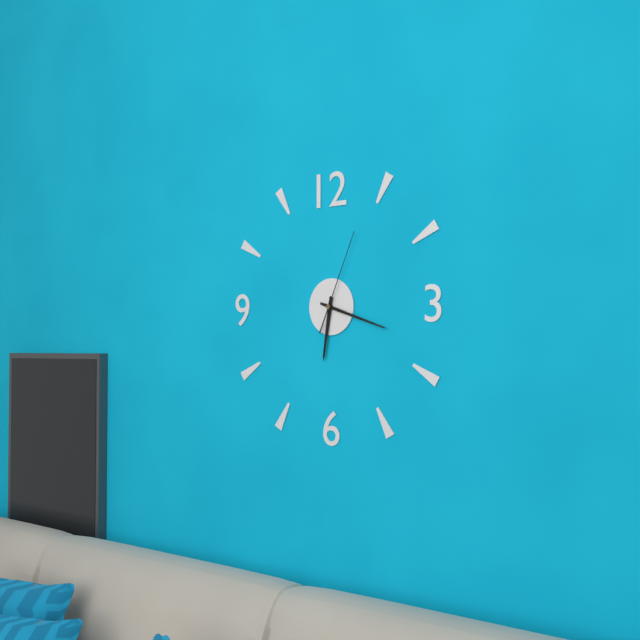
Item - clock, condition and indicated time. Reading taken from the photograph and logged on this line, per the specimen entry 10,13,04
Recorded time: 6,18,04
